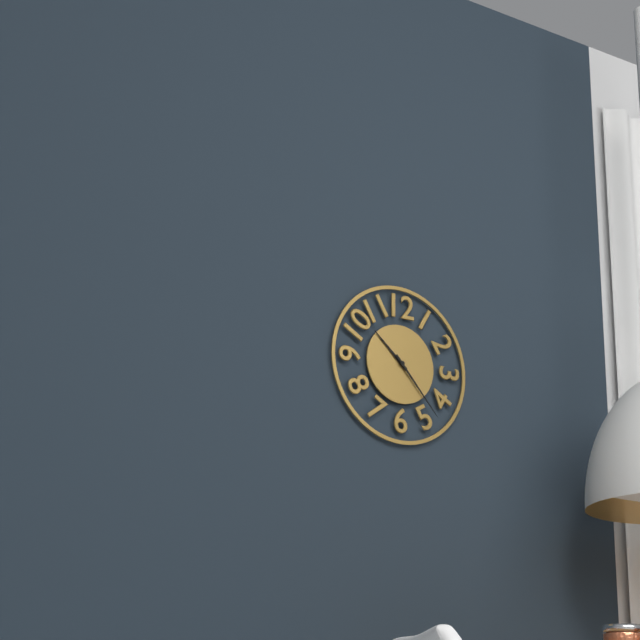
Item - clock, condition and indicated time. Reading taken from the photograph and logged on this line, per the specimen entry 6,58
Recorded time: 10,23
